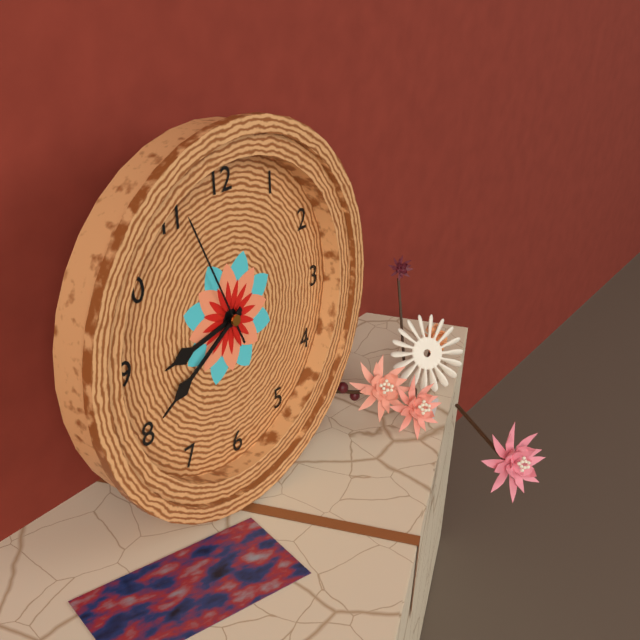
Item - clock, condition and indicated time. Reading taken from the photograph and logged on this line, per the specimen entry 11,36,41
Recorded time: 8,40,56
